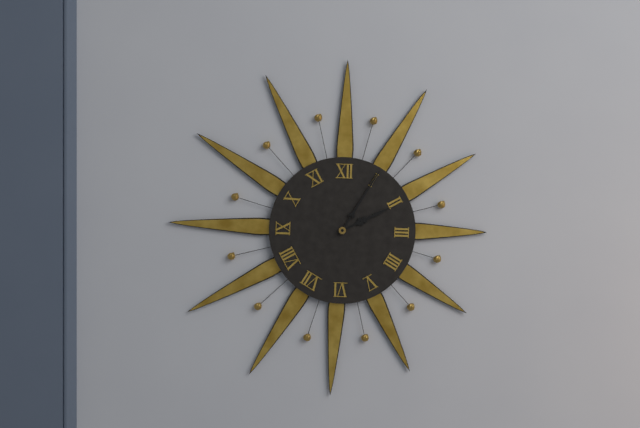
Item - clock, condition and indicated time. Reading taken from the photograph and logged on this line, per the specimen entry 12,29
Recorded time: 2,05
